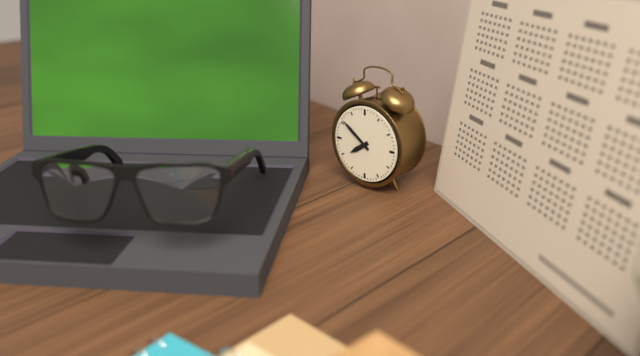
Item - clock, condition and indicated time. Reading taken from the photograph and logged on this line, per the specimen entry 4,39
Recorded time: 7,51
